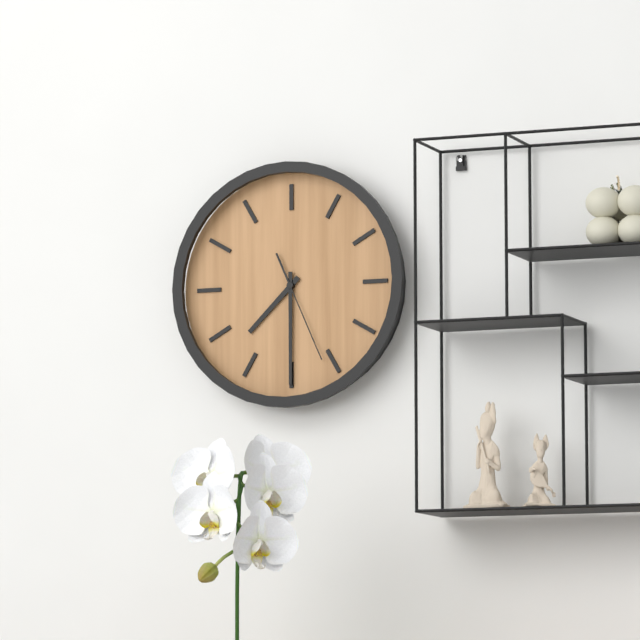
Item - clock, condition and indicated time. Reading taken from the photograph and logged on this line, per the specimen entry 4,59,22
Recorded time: 7,30,26
